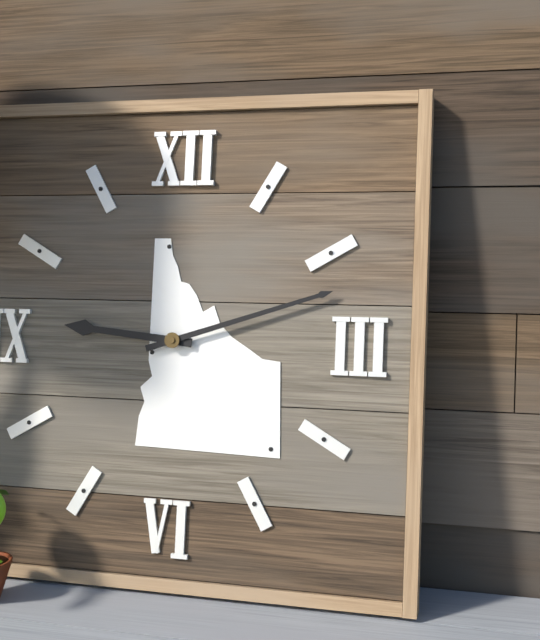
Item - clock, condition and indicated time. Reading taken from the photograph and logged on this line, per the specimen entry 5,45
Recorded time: 9,12
